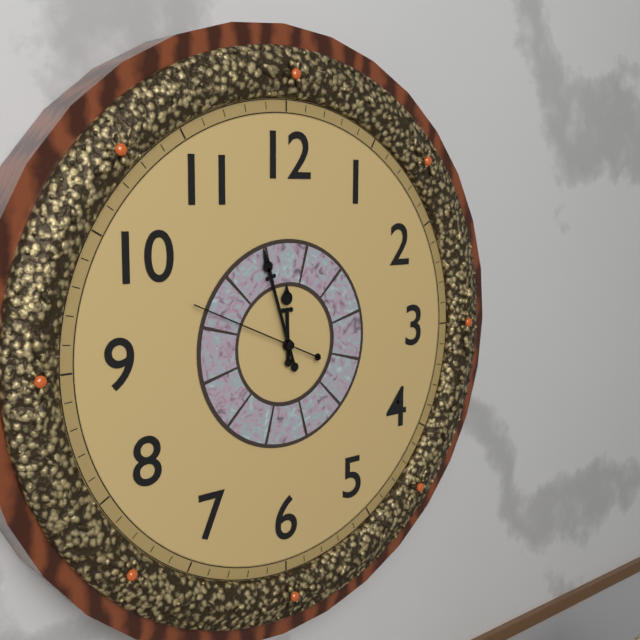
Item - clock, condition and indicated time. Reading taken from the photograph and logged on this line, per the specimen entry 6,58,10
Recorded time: 11,57,49
